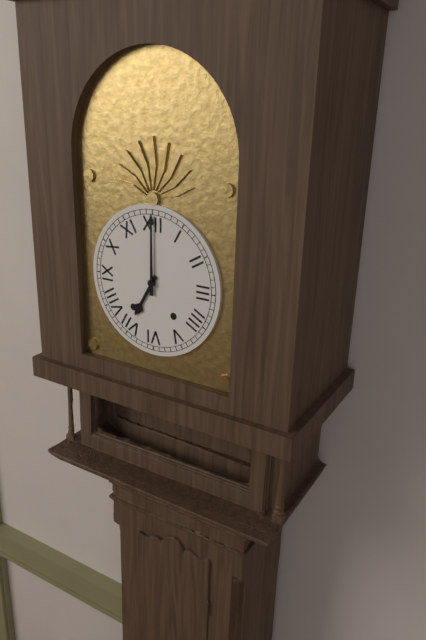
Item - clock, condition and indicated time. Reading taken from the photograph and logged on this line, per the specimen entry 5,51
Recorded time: 7,00
